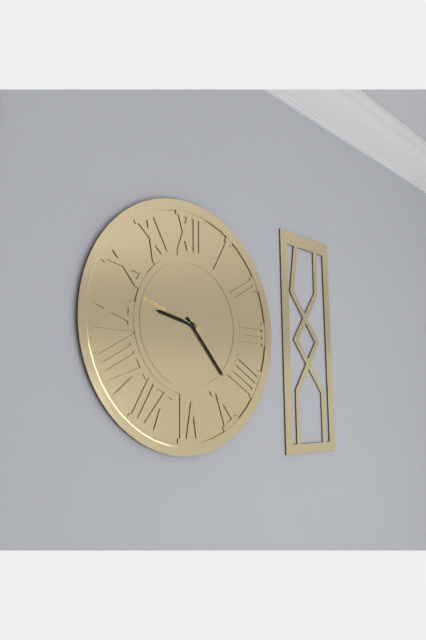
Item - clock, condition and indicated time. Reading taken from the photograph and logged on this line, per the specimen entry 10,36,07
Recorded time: 9,23,48
